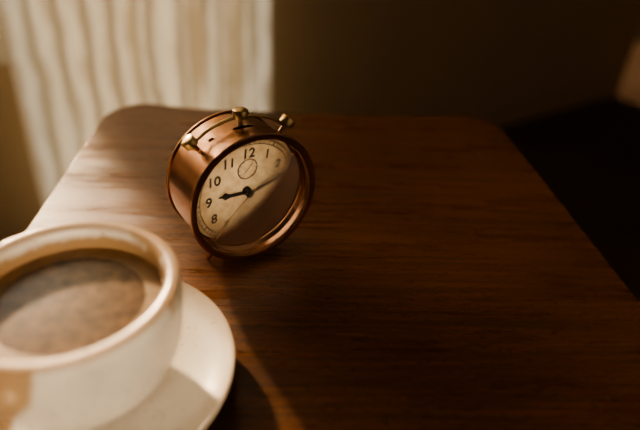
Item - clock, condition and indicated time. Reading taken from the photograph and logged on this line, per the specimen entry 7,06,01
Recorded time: 9,13,38
